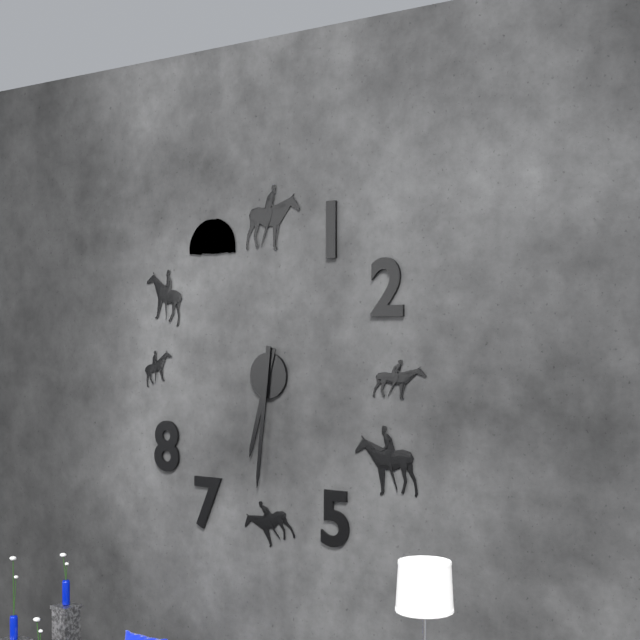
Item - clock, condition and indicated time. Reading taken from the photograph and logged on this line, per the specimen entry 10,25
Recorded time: 6,31
